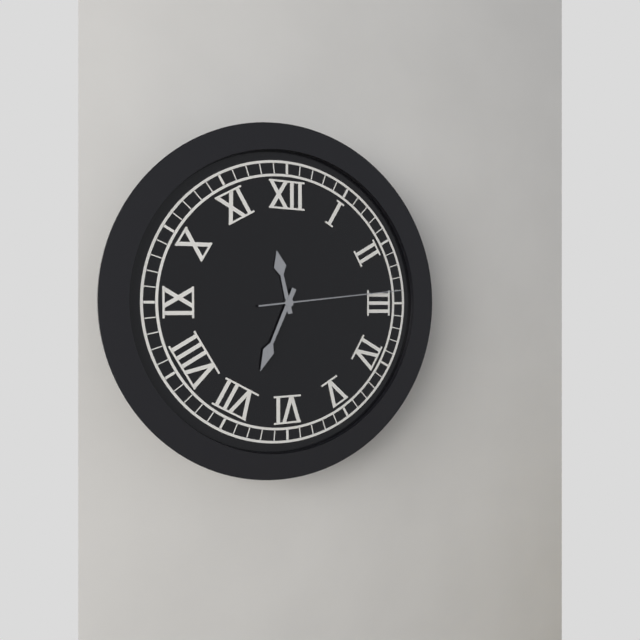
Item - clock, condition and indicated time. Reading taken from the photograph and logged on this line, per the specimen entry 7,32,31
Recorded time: 11,34,14
